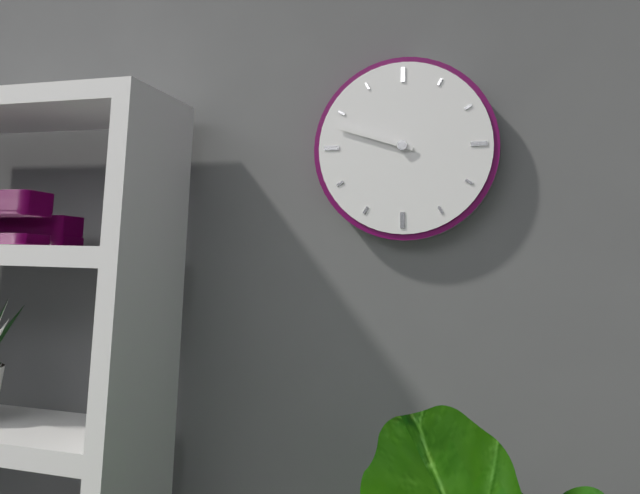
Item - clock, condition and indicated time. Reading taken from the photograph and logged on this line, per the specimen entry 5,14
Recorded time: 9,48
